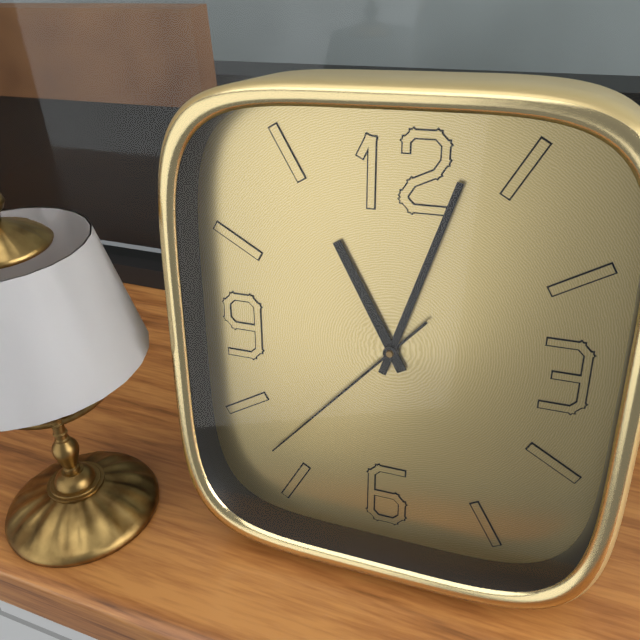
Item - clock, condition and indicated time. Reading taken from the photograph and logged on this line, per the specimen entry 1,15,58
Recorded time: 11,03,37
